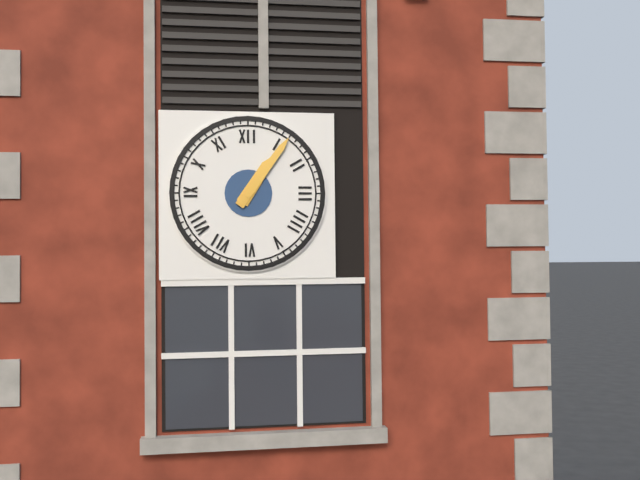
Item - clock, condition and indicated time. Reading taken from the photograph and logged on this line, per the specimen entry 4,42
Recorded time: 1,06
